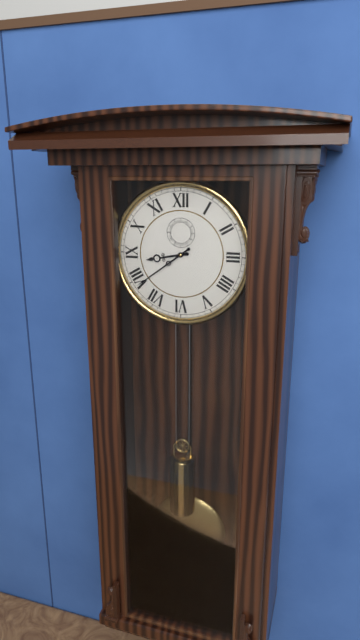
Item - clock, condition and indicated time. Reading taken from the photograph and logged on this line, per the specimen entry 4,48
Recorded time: 8,39
